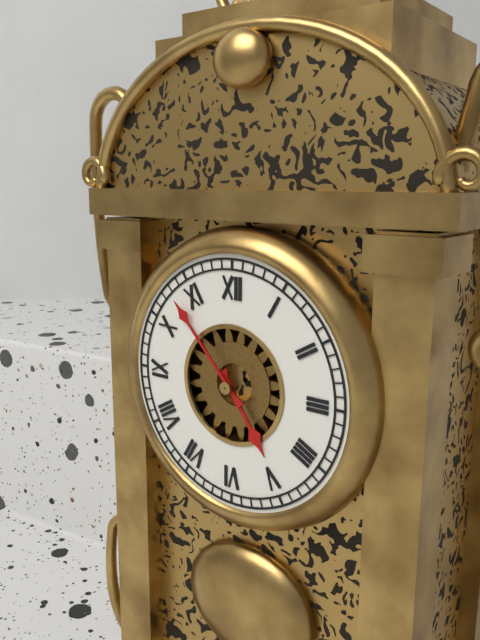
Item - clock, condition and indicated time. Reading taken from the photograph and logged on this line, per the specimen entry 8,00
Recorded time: 4,53
